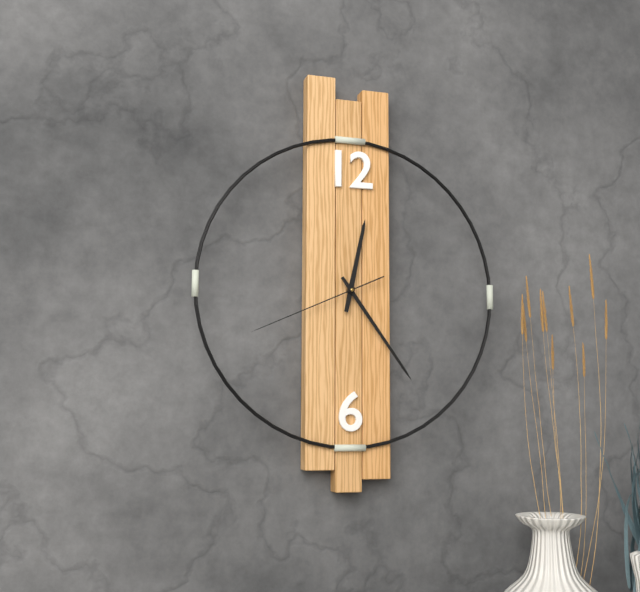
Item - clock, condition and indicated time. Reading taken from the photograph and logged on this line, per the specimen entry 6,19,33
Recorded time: 12,24,41
